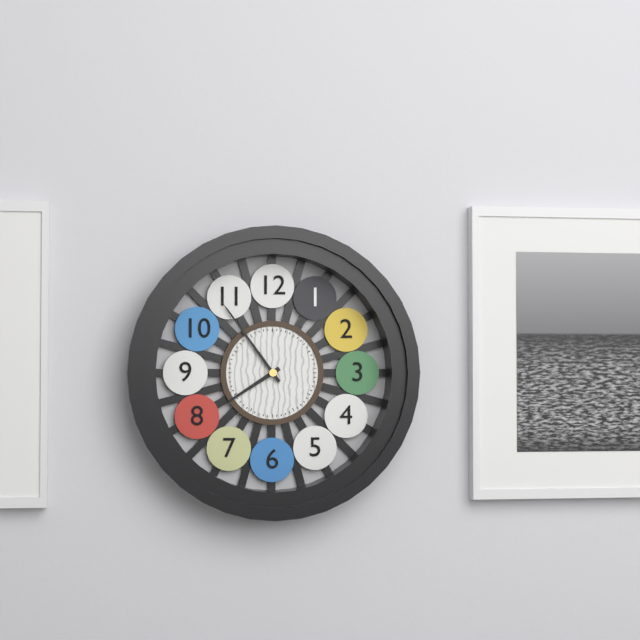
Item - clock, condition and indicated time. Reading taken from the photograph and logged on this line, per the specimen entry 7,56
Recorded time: 7,54
